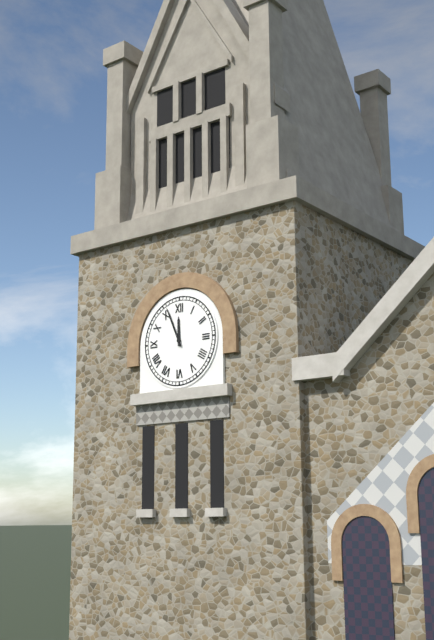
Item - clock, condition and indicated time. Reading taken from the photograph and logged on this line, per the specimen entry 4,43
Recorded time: 11,56
